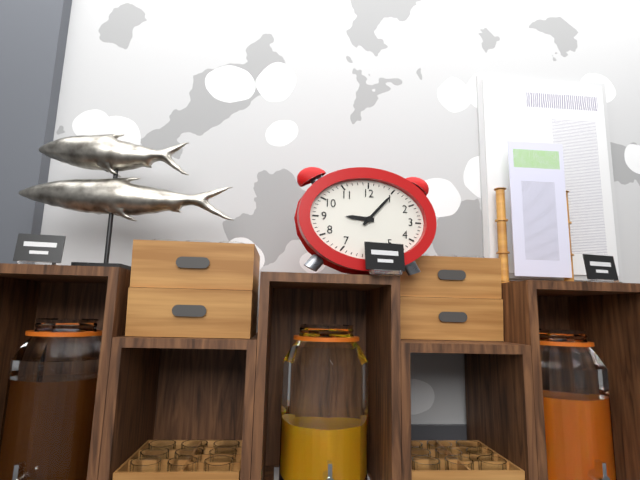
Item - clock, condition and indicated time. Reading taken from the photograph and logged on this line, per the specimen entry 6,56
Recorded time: 9,07
